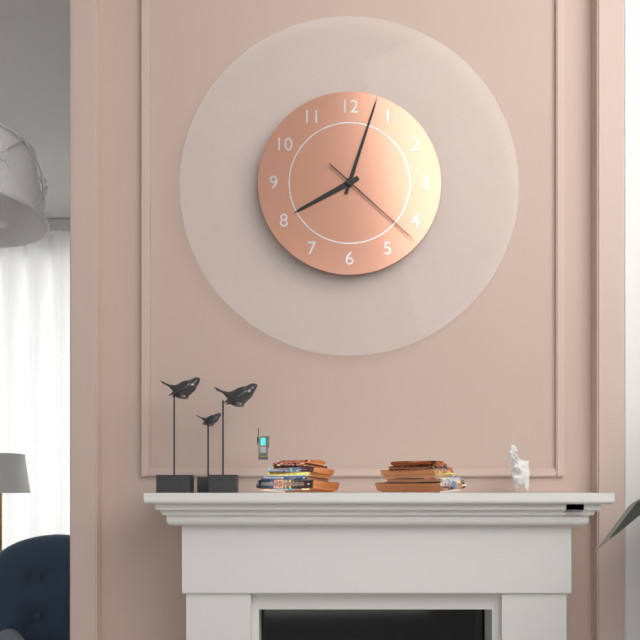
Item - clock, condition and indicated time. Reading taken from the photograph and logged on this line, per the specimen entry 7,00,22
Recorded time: 8,03,22
